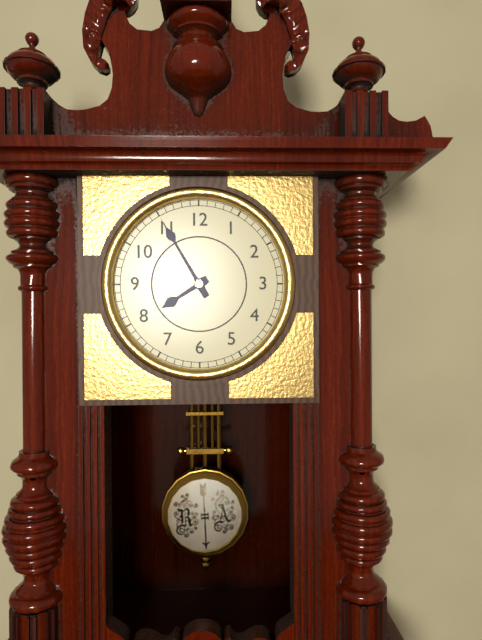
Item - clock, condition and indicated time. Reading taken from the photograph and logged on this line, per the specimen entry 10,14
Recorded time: 7,55
